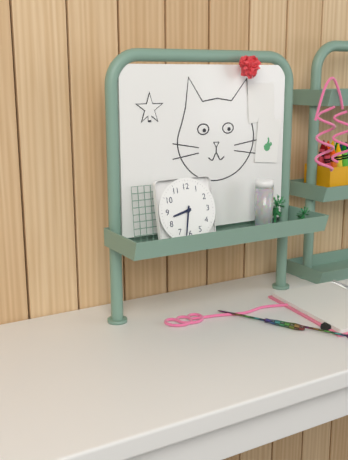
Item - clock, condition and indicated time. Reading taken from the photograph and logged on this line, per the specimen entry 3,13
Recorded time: 8,32
